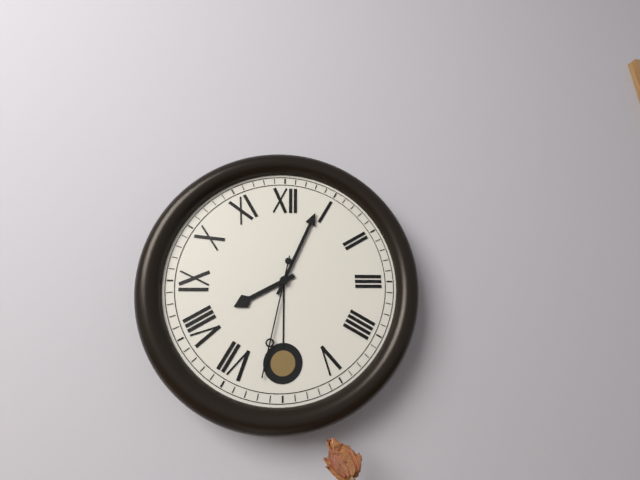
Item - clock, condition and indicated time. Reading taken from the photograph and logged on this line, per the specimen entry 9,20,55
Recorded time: 8,04,32
